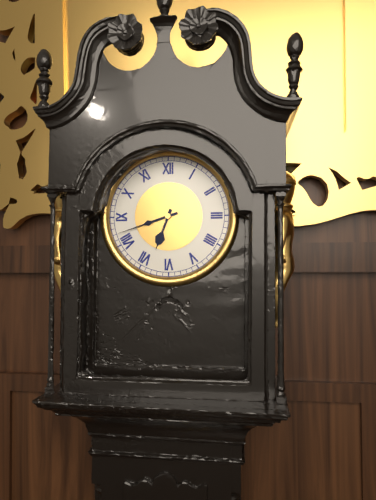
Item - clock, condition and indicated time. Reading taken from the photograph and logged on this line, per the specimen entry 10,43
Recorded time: 6,42
